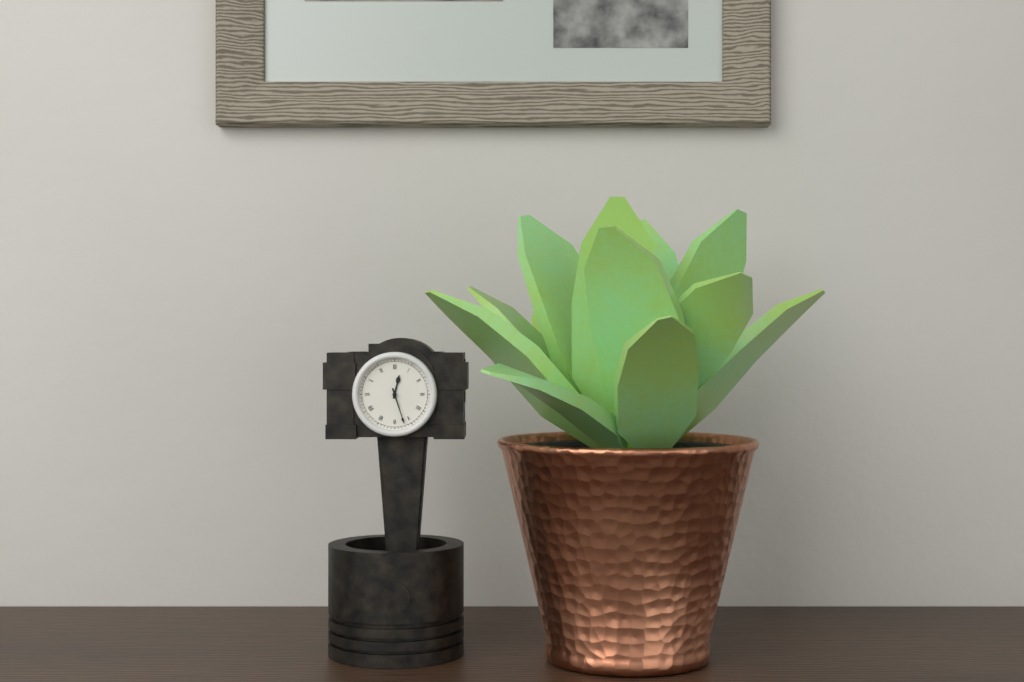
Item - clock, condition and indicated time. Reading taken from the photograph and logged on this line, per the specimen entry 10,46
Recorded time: 12,27
